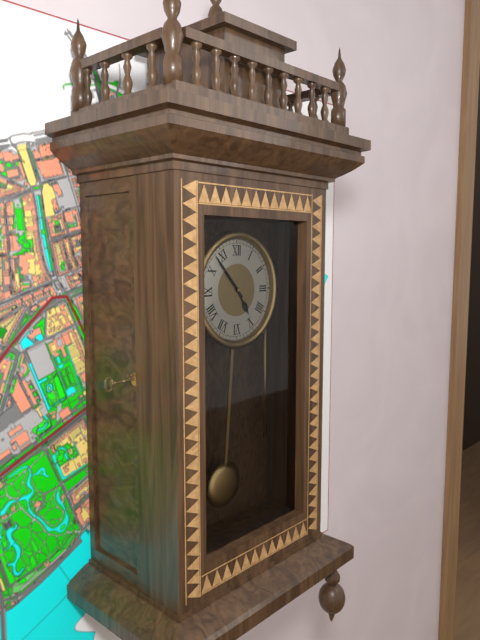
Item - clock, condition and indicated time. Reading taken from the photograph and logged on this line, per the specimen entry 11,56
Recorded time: 4,53
